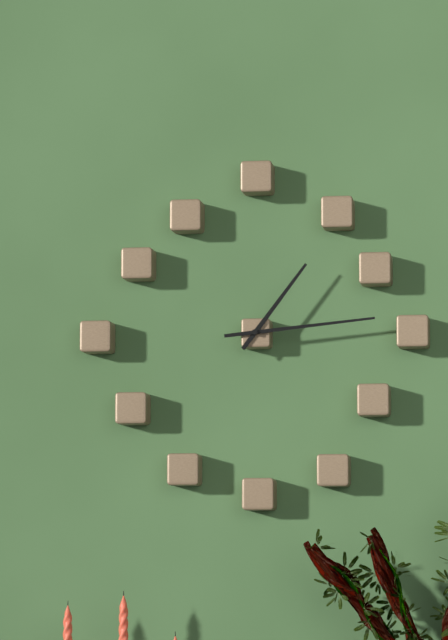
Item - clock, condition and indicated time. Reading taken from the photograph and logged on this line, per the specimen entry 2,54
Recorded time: 1,14
